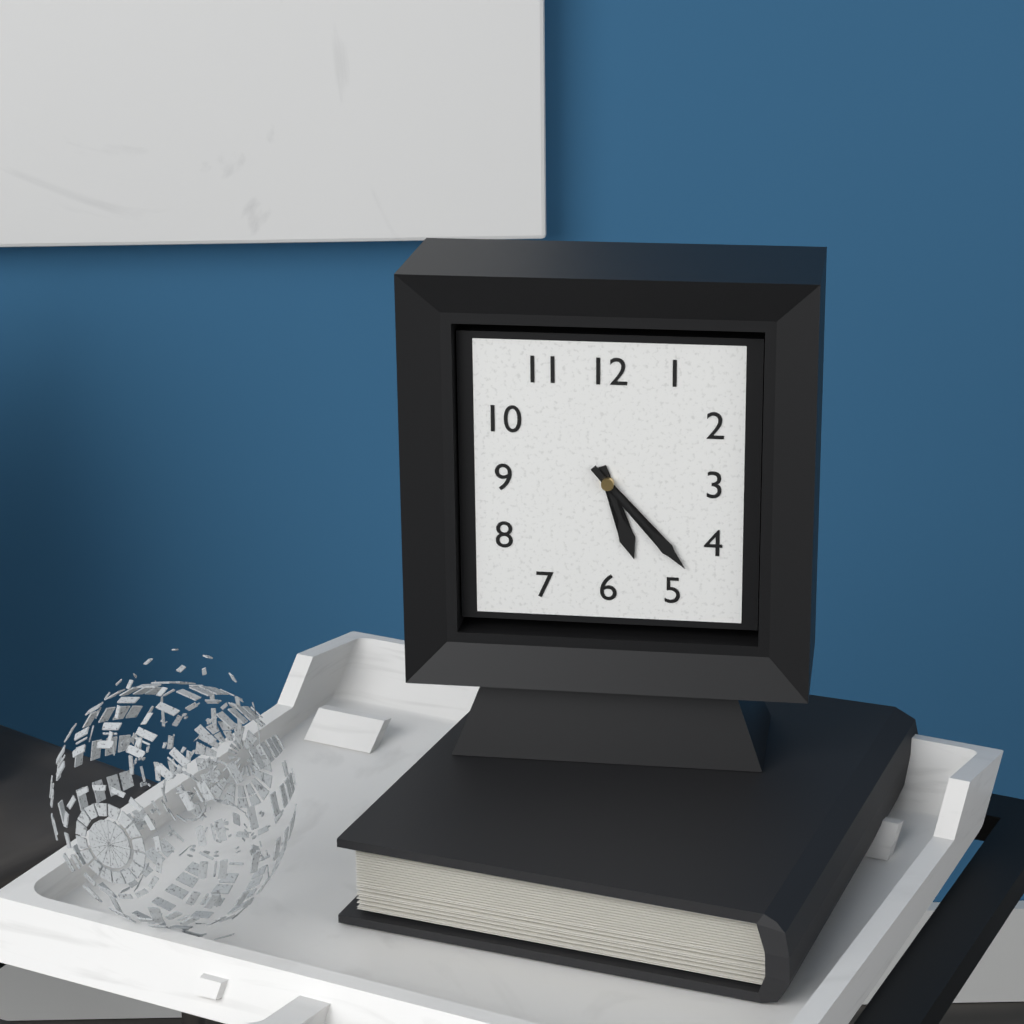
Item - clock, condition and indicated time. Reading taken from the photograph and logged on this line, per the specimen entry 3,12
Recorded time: 5,23
